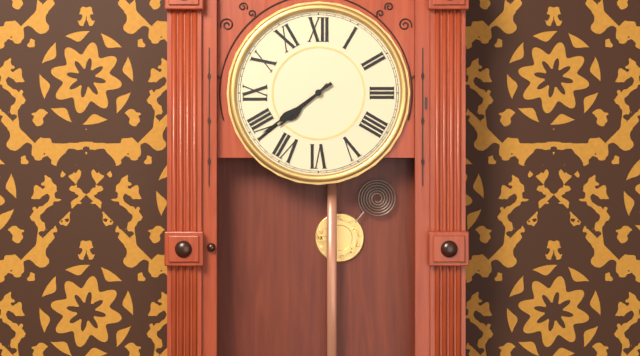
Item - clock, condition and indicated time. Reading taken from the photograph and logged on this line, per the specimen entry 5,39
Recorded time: 7,39
